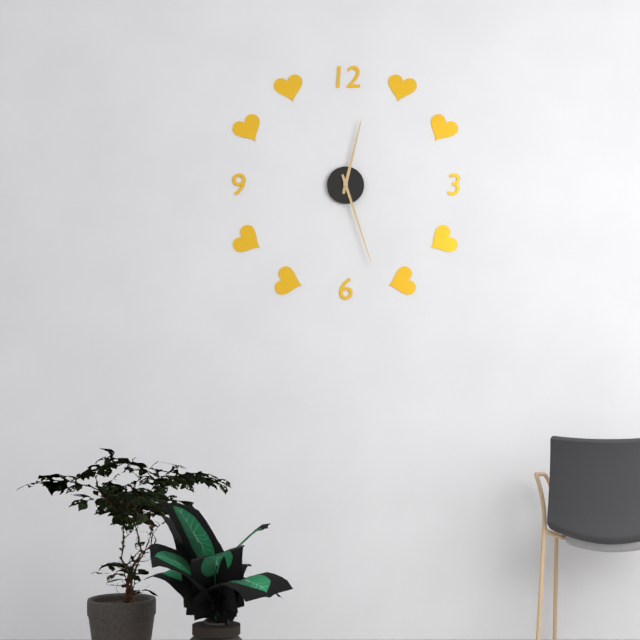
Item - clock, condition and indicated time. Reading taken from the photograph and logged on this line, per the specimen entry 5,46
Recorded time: 12,27
